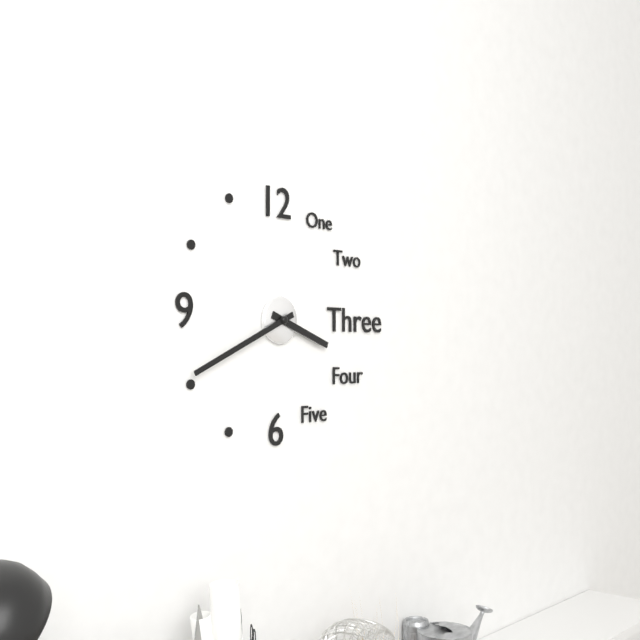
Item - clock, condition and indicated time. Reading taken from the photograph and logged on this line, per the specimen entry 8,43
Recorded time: 3,41
